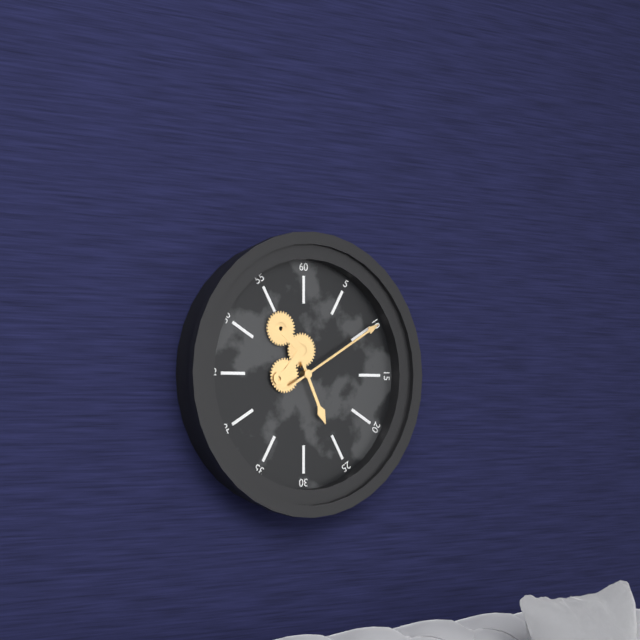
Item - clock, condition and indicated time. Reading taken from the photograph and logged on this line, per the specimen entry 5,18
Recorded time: 5,10
